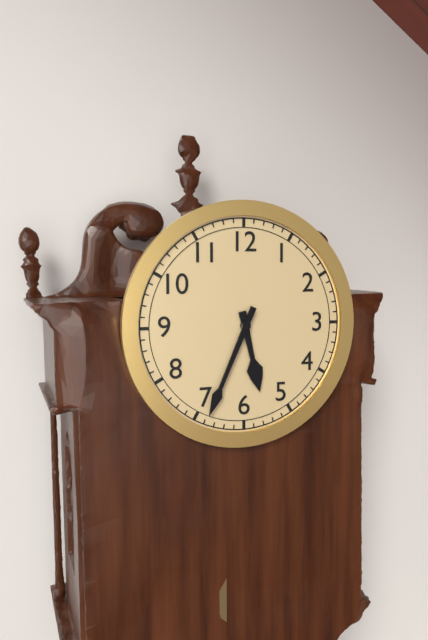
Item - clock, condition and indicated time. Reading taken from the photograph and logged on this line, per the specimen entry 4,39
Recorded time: 5,34
